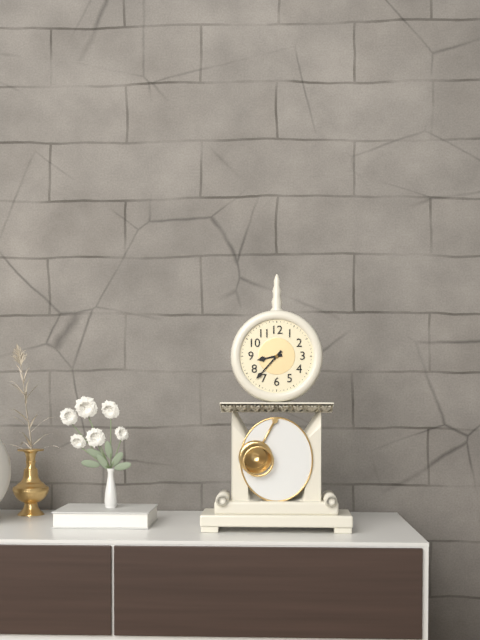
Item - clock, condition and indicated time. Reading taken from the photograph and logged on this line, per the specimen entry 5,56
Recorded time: 8,37
